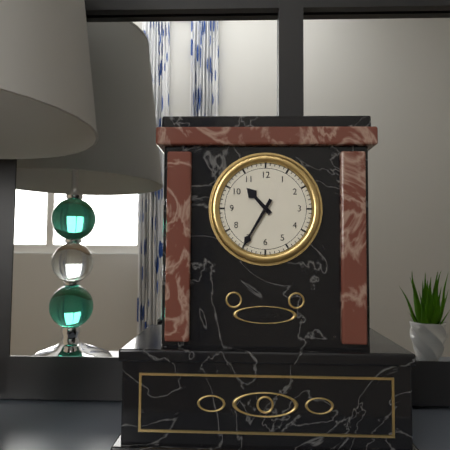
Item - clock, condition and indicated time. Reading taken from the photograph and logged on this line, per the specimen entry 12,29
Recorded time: 10,35
